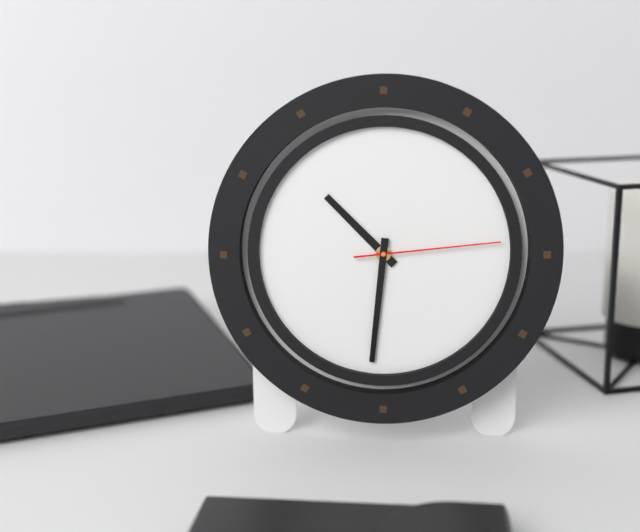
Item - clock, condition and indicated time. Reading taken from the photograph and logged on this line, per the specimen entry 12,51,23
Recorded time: 10,31,14
